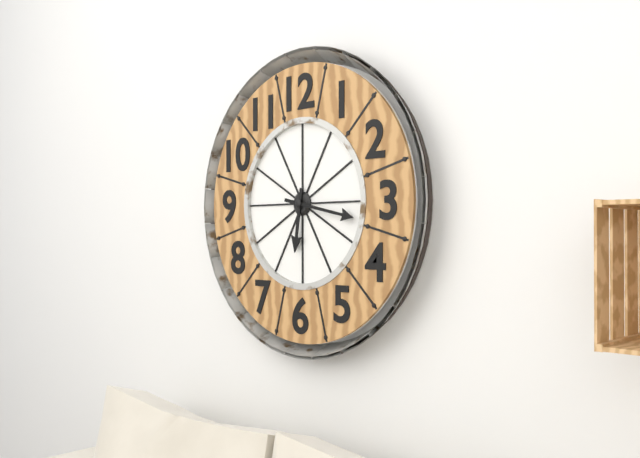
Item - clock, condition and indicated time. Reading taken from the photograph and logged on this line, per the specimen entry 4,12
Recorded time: 6,17
